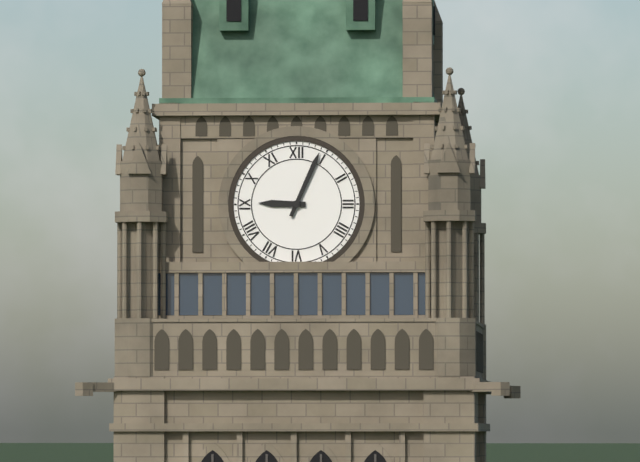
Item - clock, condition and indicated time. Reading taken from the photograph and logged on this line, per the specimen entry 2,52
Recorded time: 9,04
